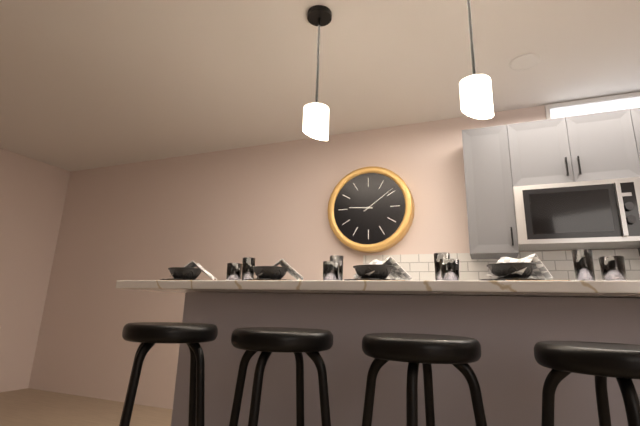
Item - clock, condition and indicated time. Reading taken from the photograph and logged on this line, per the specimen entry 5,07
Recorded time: 9,09
